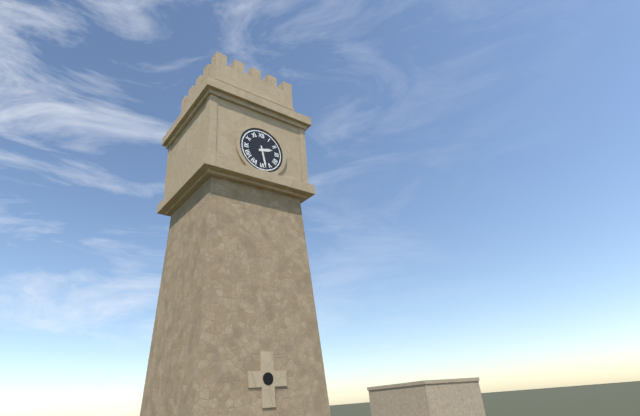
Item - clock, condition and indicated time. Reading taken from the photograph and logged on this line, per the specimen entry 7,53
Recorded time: 2,28
